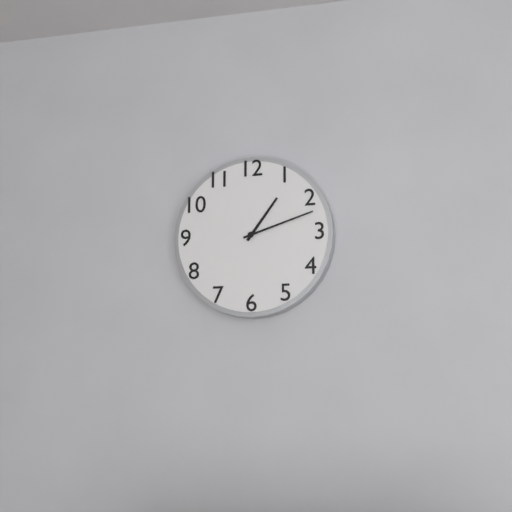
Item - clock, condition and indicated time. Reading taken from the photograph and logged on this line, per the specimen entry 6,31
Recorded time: 1,12
